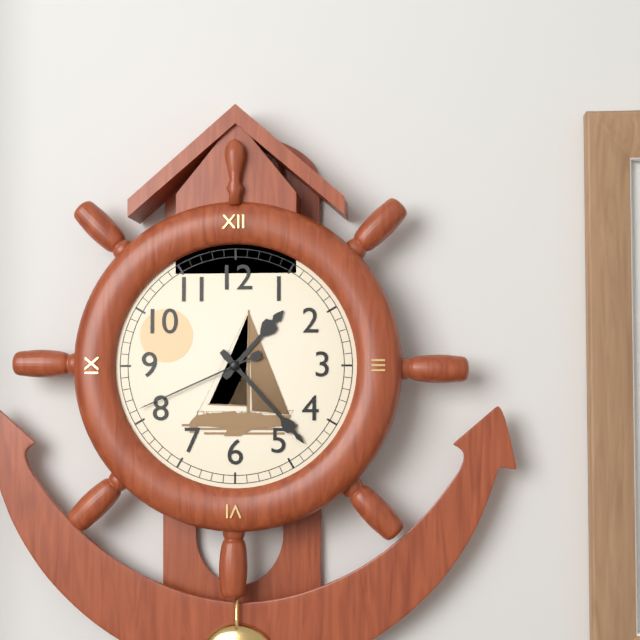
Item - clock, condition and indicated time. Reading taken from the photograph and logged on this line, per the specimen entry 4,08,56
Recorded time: 1,23,41
